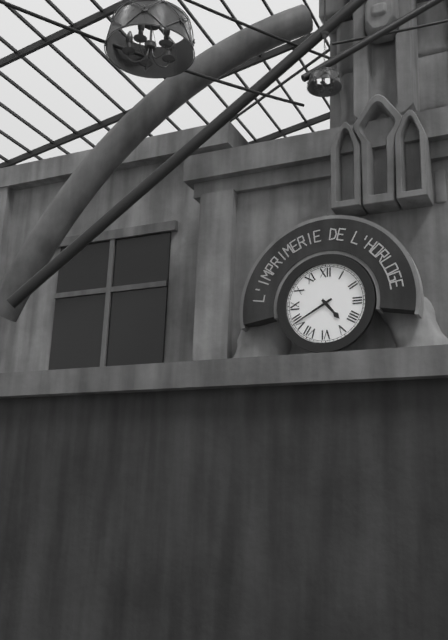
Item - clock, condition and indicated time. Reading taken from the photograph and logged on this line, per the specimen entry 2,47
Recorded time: 4,40
